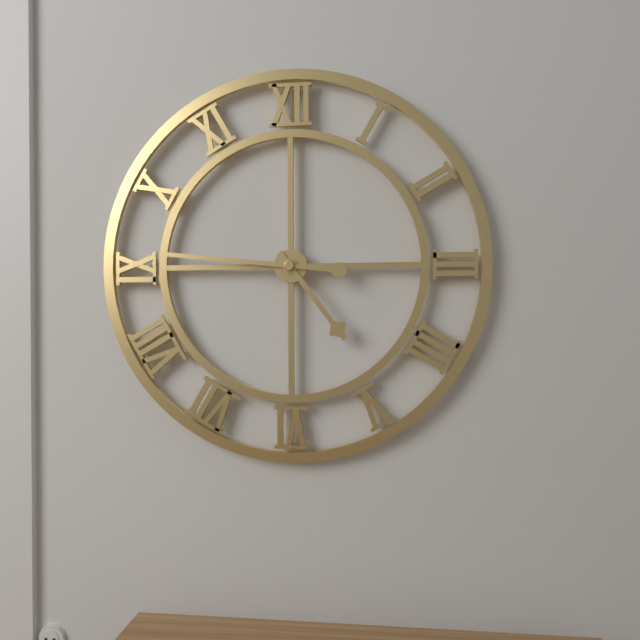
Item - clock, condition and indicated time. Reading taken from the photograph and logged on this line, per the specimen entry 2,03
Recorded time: 4,46
